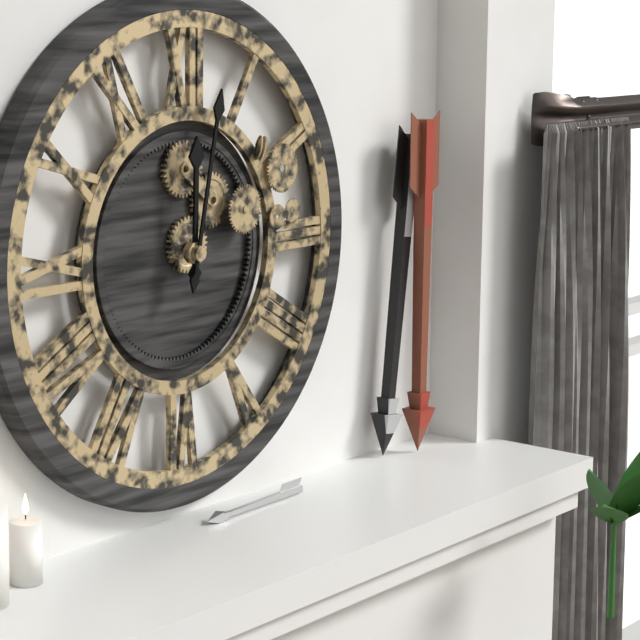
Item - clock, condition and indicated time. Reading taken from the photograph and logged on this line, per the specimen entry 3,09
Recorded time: 12,02
